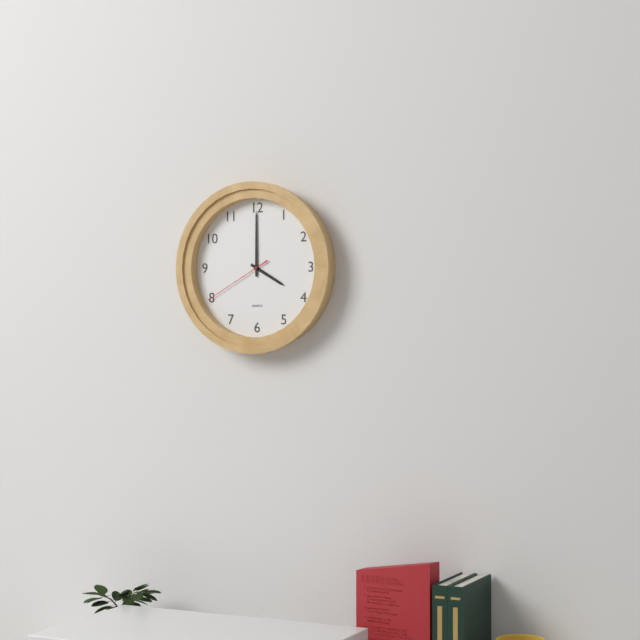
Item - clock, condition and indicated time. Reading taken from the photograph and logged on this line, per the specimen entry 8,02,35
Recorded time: 4,00,40
